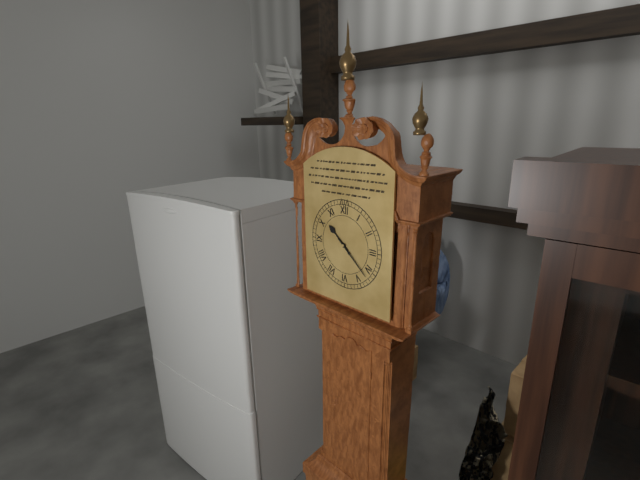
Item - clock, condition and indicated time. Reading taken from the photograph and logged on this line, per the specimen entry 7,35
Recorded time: 10,22
